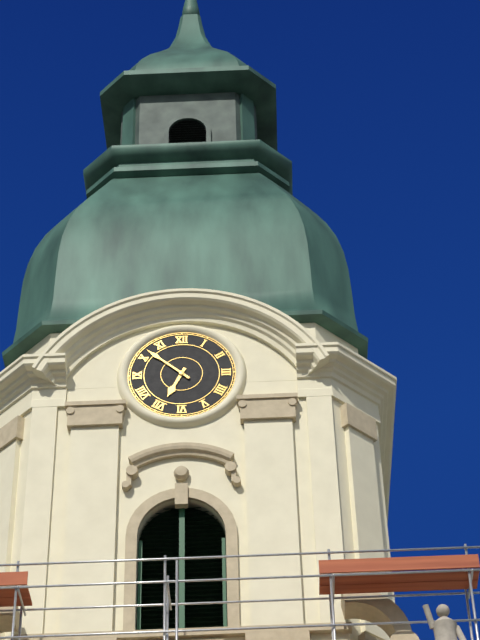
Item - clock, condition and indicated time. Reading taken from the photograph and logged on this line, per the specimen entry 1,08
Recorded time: 6,52
